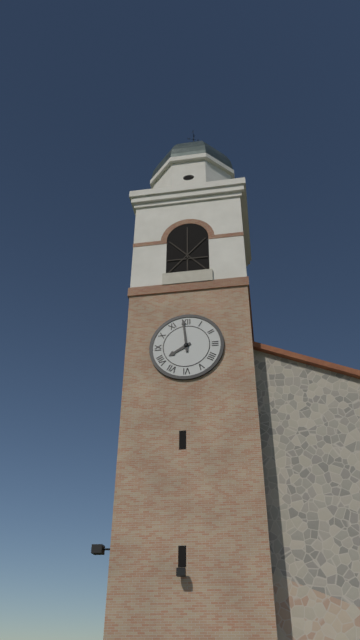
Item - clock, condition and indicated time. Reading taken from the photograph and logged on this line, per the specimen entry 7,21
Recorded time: 7,59
